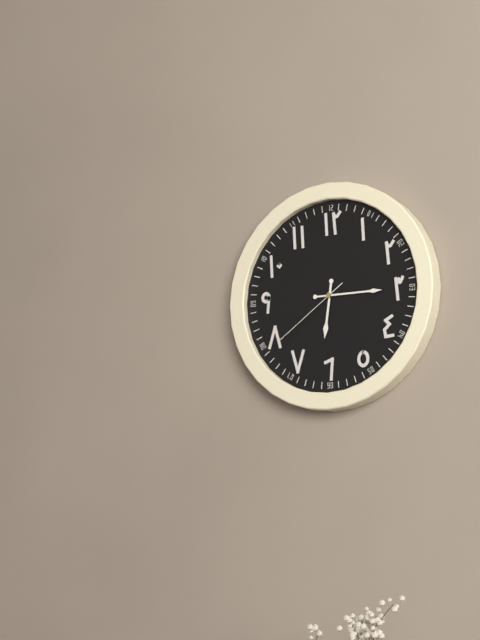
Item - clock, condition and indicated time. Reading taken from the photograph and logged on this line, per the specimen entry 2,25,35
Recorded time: 6,15,39
